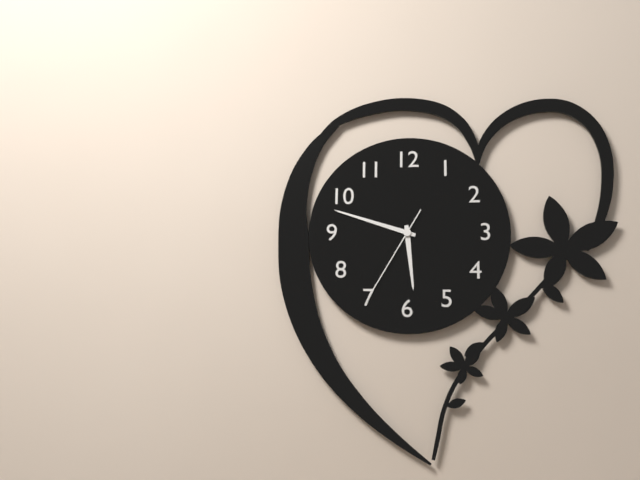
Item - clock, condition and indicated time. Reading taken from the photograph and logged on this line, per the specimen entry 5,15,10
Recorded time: 5,48,35
